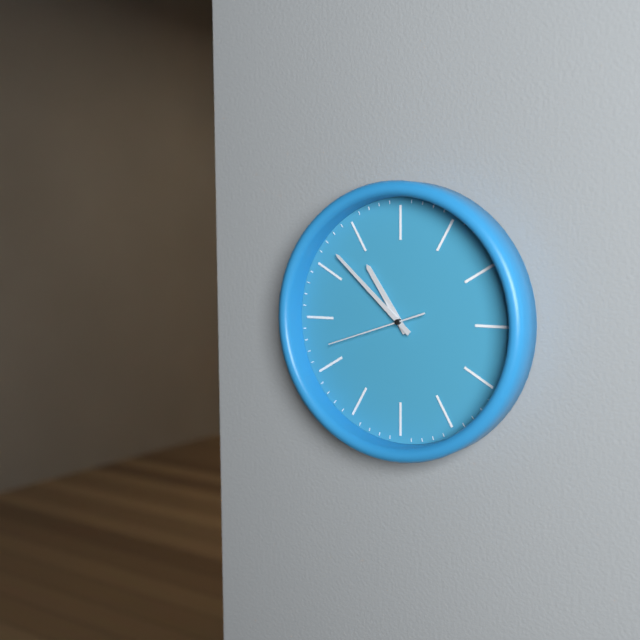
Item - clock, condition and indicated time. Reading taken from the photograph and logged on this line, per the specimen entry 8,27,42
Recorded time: 10,52,42
